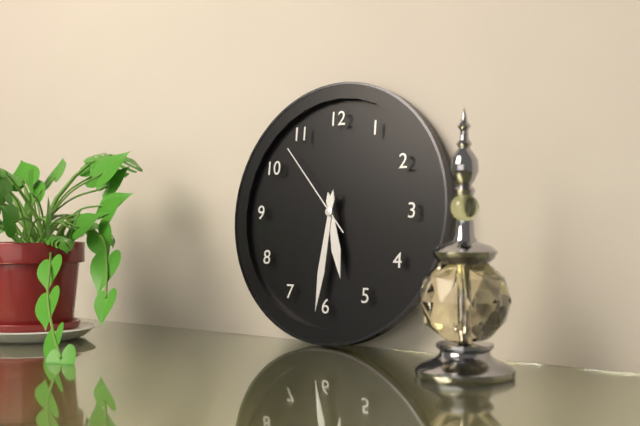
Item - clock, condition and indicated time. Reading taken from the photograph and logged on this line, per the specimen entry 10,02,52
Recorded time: 5,31,53
